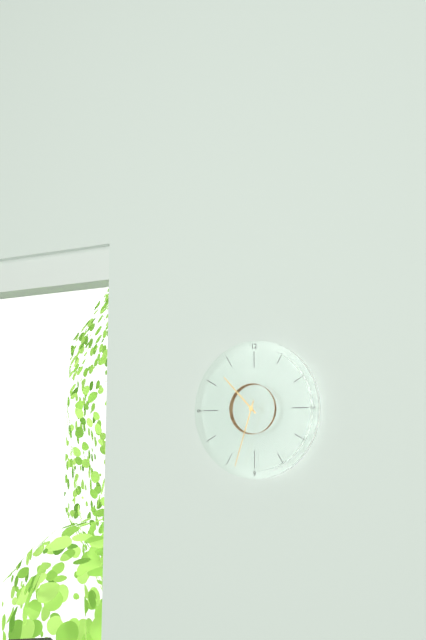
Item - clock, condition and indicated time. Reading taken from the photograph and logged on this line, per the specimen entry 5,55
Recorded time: 10,33
